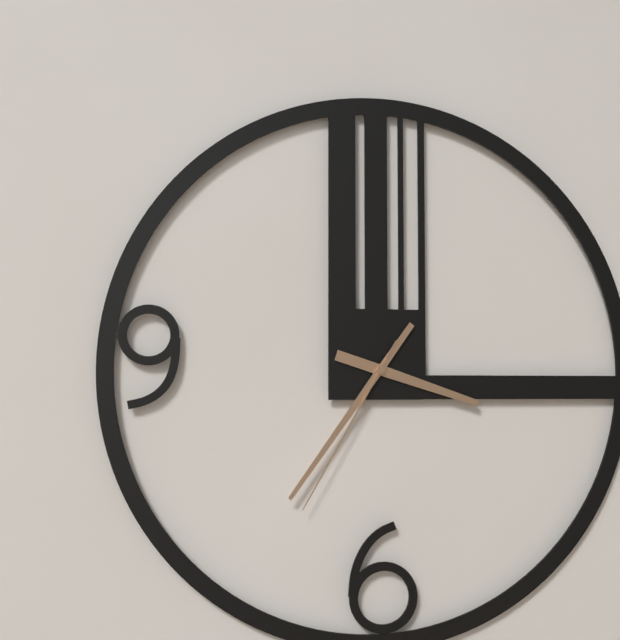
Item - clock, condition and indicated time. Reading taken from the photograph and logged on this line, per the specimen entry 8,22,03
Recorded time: 3,36,35
